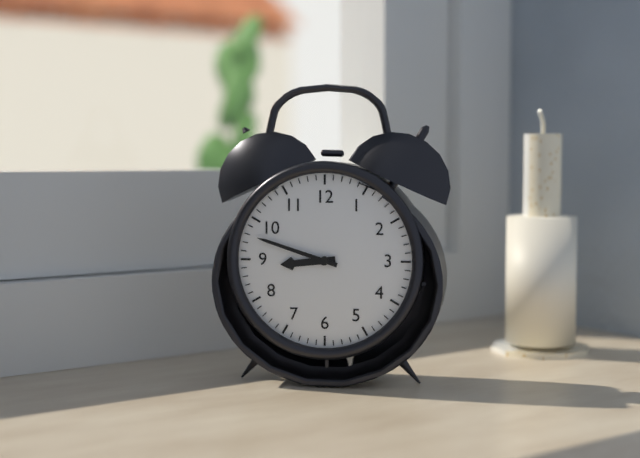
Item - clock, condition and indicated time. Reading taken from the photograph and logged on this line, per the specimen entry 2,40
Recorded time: 8,48
